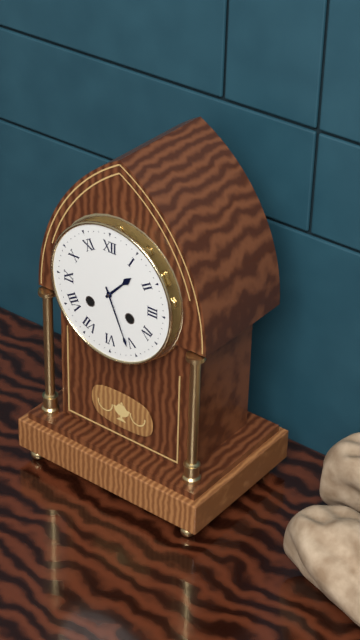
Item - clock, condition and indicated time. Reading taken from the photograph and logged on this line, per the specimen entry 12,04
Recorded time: 1,26
